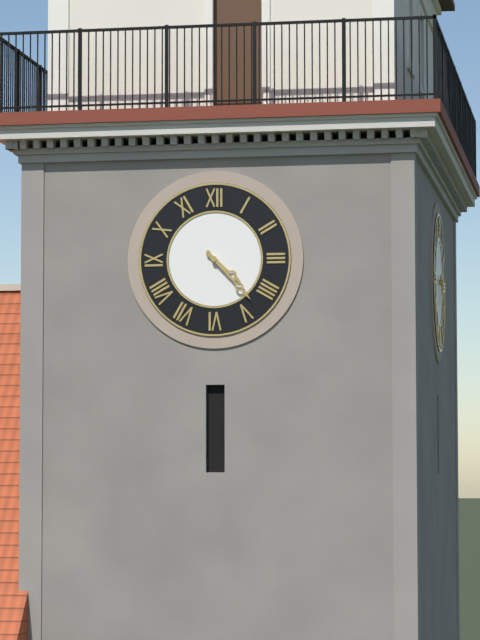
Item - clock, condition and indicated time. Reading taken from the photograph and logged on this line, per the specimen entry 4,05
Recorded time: 4,23
